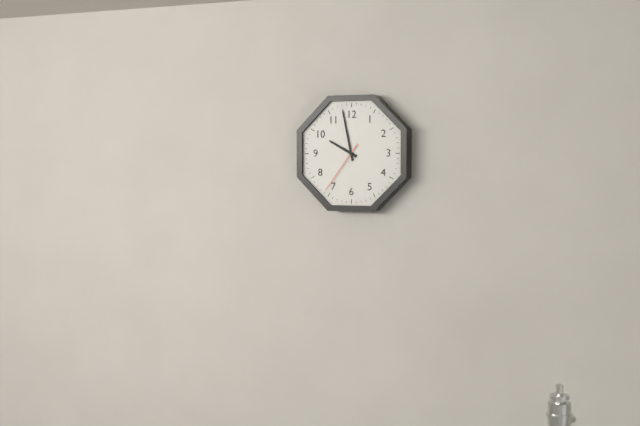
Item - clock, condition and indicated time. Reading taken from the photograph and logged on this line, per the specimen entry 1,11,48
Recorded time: 9,58,36
